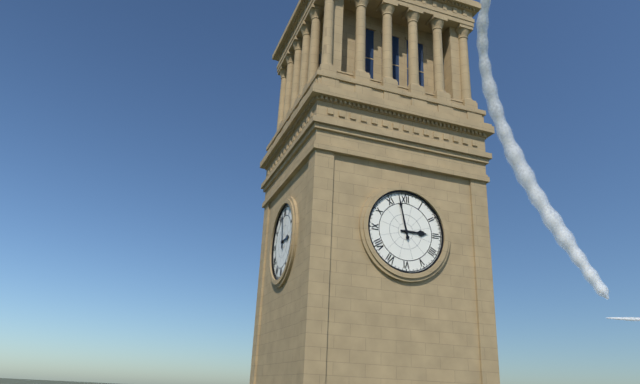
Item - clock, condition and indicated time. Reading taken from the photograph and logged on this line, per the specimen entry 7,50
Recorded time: 2,58
